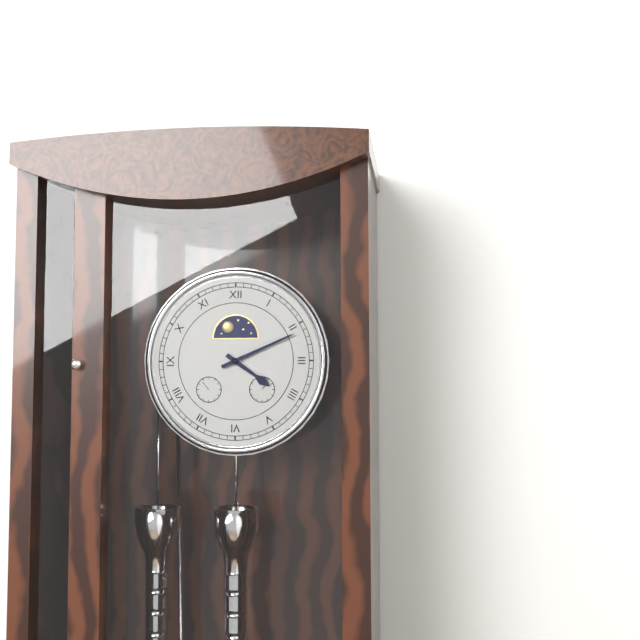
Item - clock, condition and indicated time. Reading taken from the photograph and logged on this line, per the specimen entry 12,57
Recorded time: 4,11
